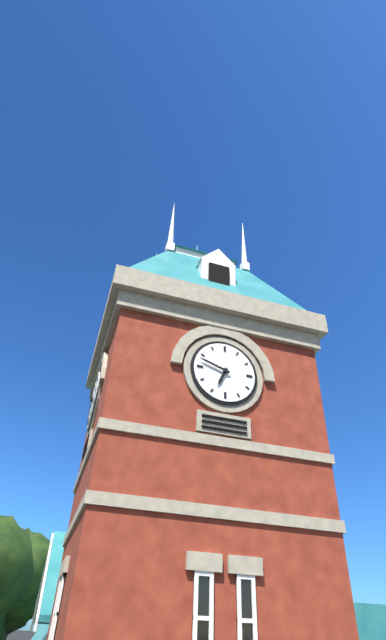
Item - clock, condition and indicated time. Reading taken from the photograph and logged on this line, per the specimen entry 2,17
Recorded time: 6,48
